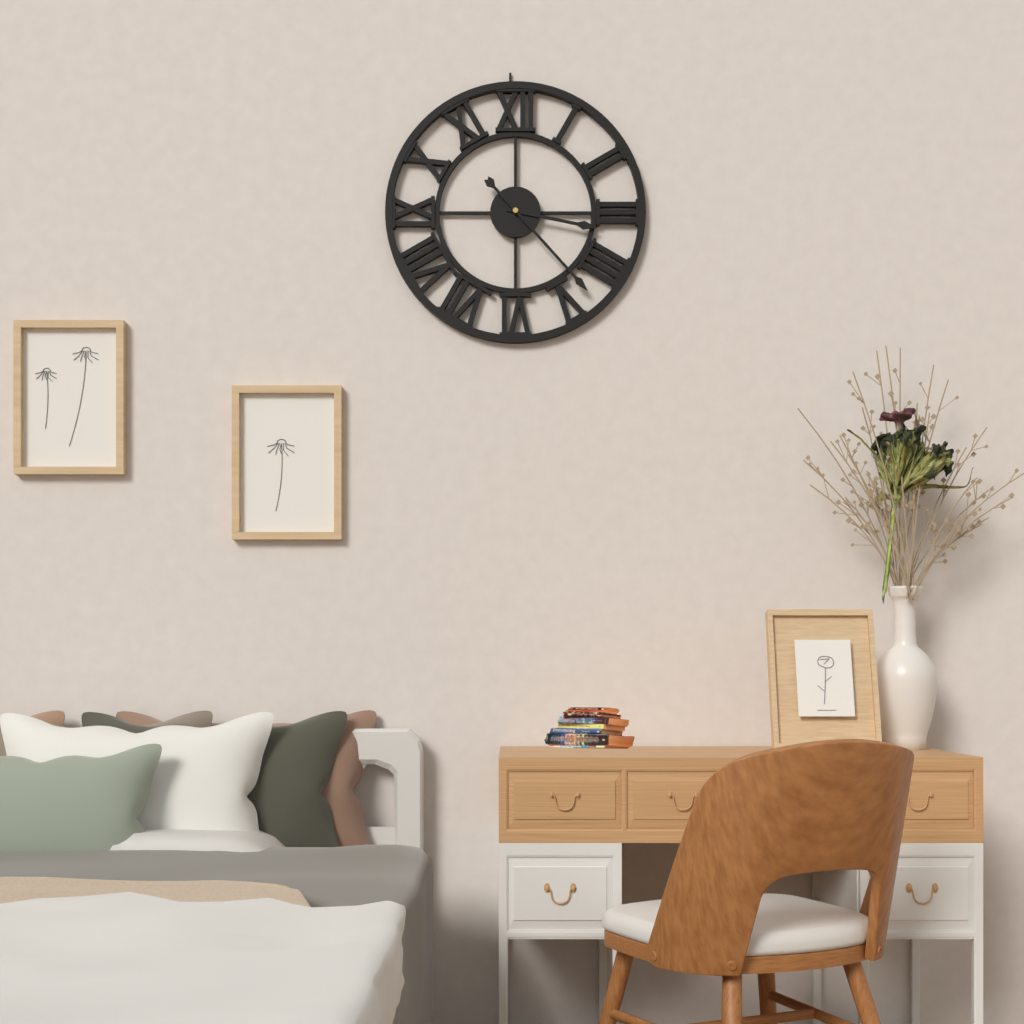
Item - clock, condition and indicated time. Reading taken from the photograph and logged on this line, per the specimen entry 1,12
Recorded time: 3,23
